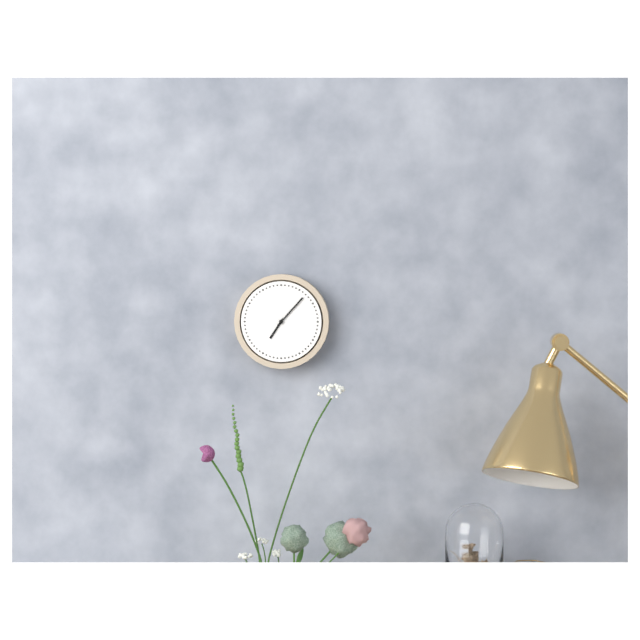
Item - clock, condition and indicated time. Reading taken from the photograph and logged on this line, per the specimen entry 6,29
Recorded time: 7,07
